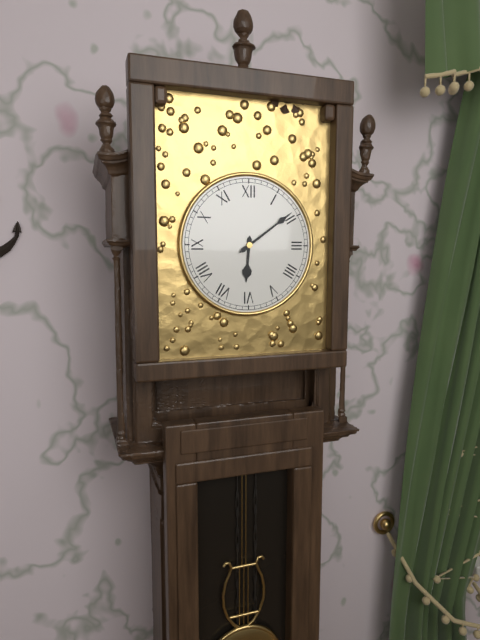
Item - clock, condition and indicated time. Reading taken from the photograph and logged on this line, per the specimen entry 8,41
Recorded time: 6,09
